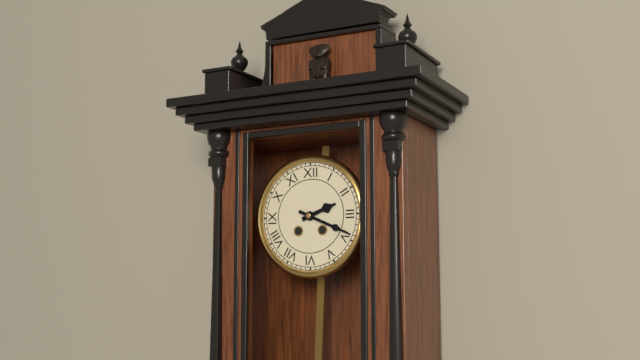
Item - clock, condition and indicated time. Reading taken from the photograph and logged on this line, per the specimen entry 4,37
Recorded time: 2,19
